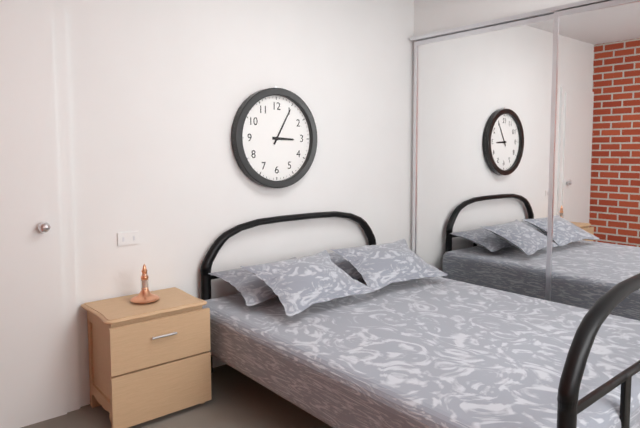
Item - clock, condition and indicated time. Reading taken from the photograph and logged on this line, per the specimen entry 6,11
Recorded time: 3,05
